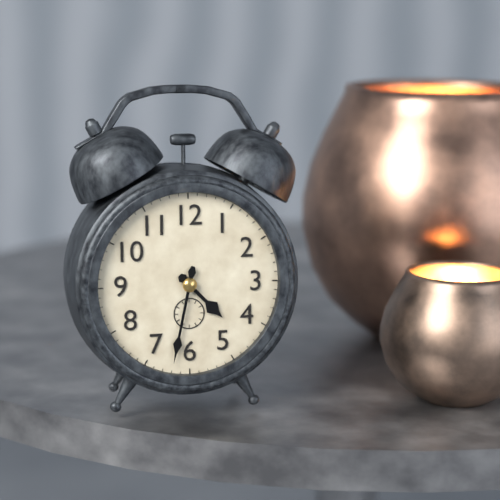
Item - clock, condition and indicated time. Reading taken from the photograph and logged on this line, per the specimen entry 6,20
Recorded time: 4,32
